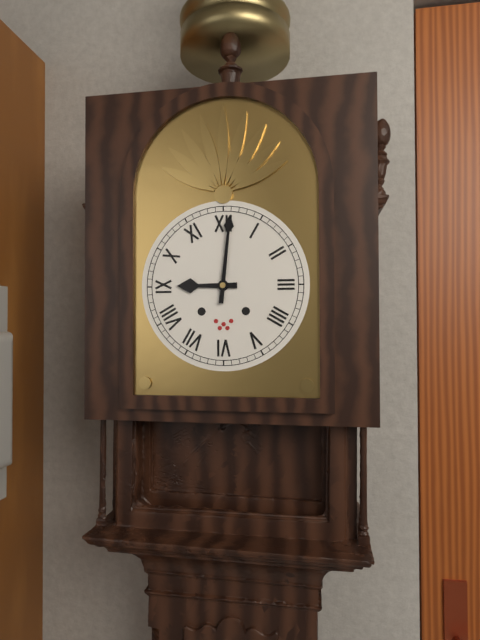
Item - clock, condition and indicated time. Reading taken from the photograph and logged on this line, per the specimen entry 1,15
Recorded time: 9,01
